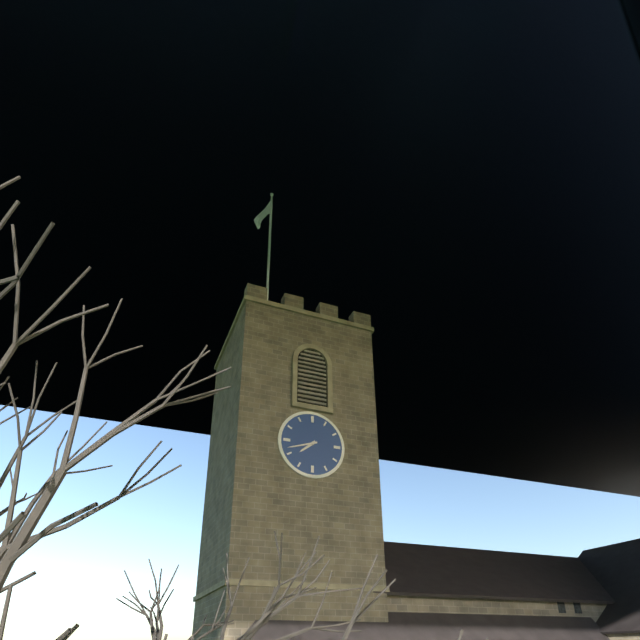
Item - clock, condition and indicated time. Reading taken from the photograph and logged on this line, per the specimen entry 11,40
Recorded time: 7,42
